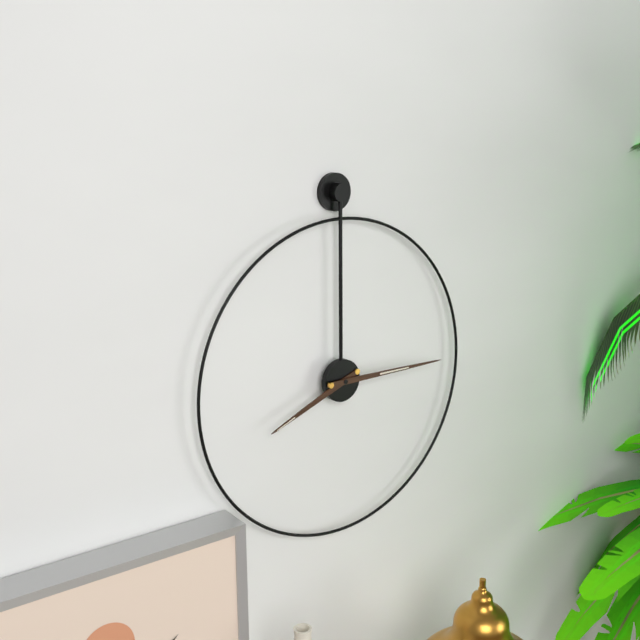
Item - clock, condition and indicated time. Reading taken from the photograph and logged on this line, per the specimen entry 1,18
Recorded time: 8,15
